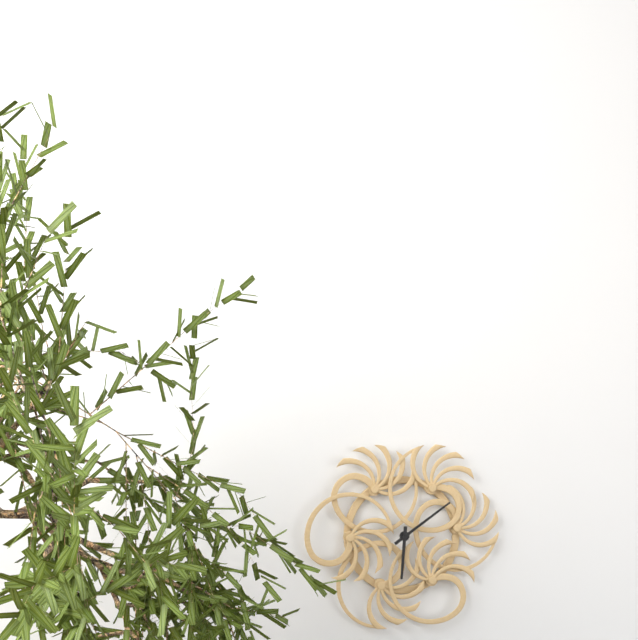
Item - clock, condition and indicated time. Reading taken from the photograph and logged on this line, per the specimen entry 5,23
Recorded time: 6,09
